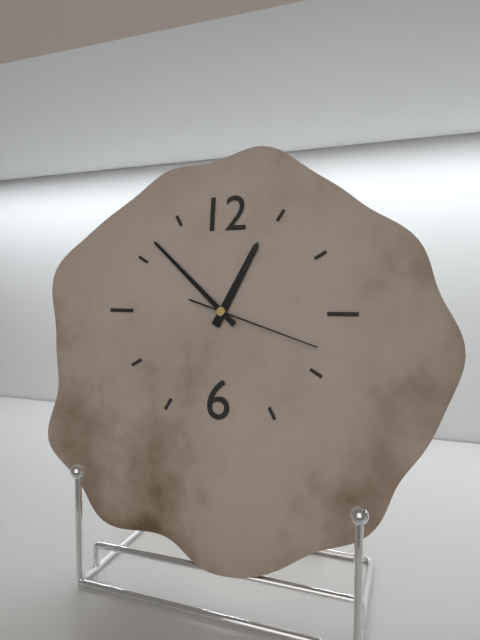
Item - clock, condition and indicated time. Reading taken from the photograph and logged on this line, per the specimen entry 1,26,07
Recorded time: 12,52,18
